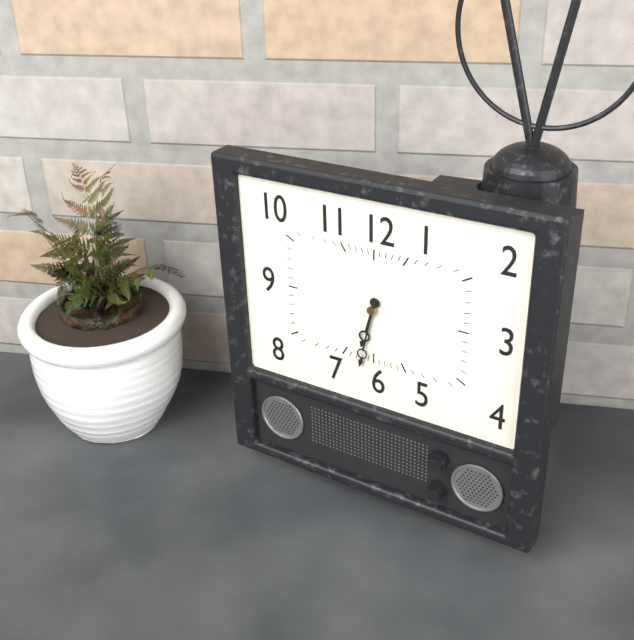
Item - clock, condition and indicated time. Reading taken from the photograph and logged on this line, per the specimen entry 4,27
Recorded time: 6,32
